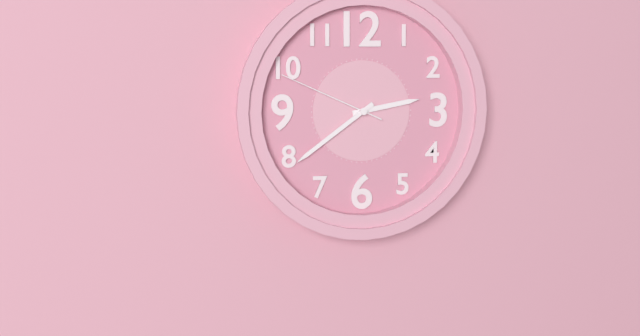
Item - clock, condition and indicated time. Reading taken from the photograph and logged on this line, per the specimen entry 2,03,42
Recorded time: 2,39,49
